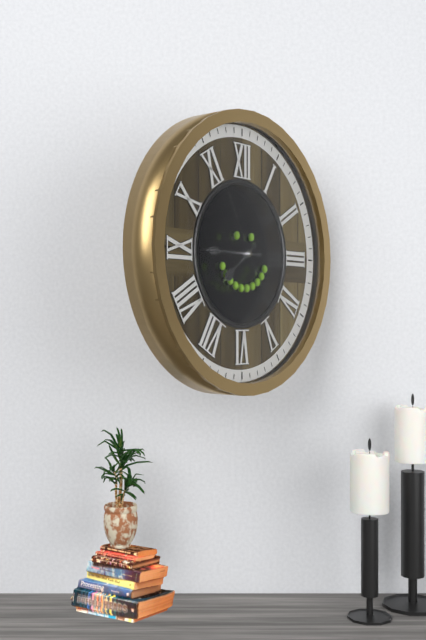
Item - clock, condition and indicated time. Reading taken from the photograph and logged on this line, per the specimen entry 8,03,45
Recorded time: 7,45,55
